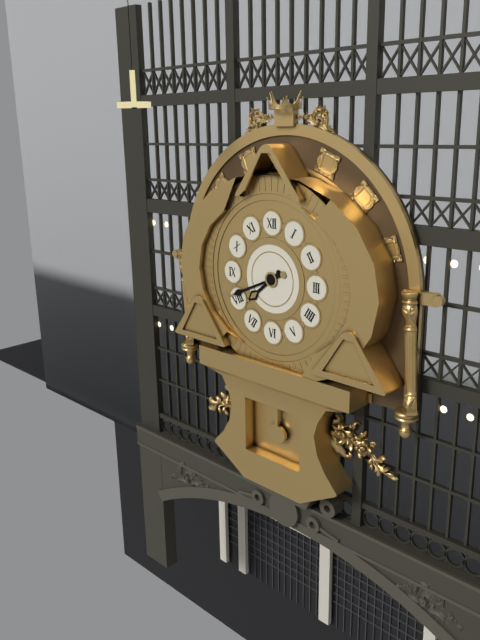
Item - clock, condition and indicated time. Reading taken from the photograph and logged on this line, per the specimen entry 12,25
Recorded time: 7,41
